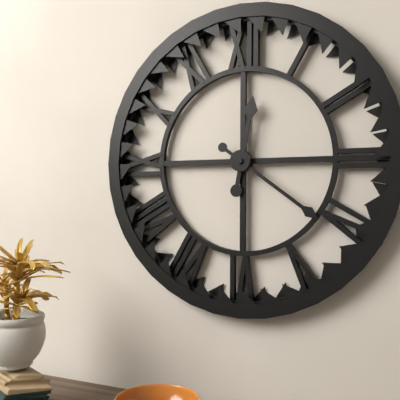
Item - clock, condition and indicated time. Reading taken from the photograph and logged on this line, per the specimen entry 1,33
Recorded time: 12,21
